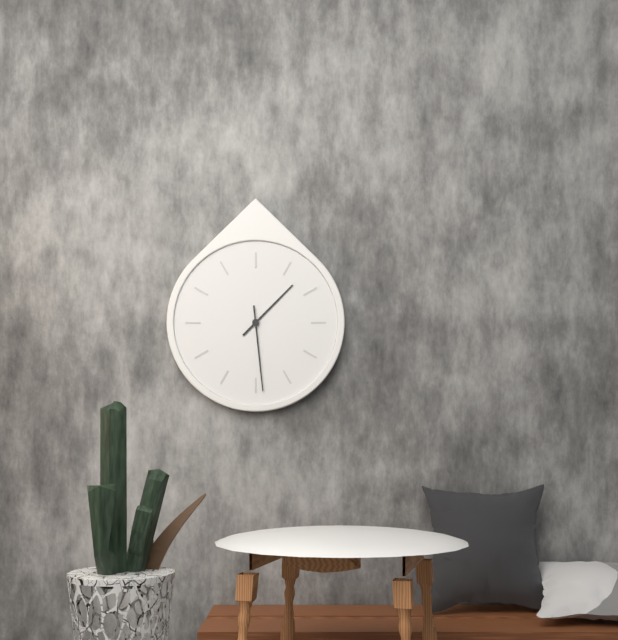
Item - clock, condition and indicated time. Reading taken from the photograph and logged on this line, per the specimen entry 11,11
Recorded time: 1,29
